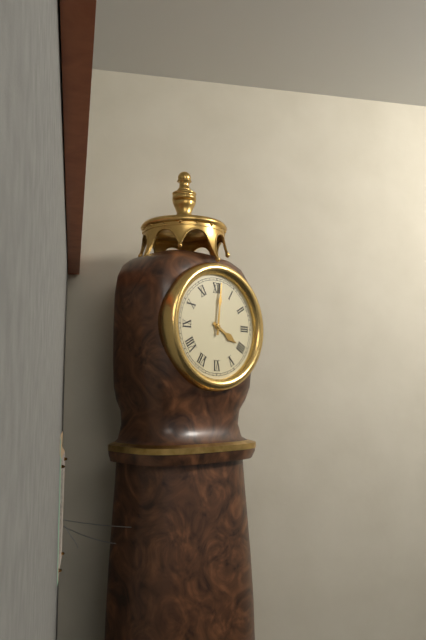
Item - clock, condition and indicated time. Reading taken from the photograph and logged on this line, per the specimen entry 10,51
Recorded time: 4,01
